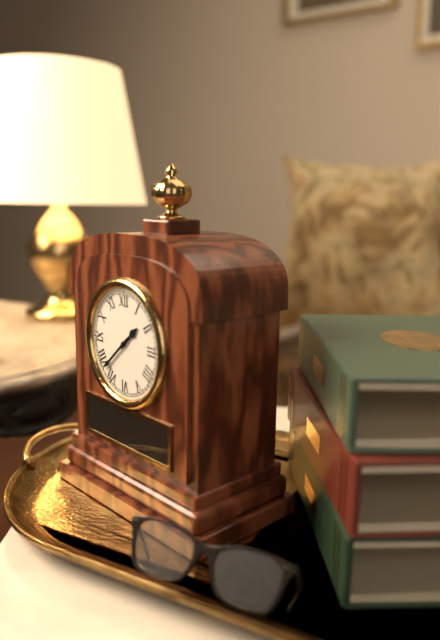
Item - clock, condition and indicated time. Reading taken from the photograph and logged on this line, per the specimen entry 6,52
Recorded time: 1,38
